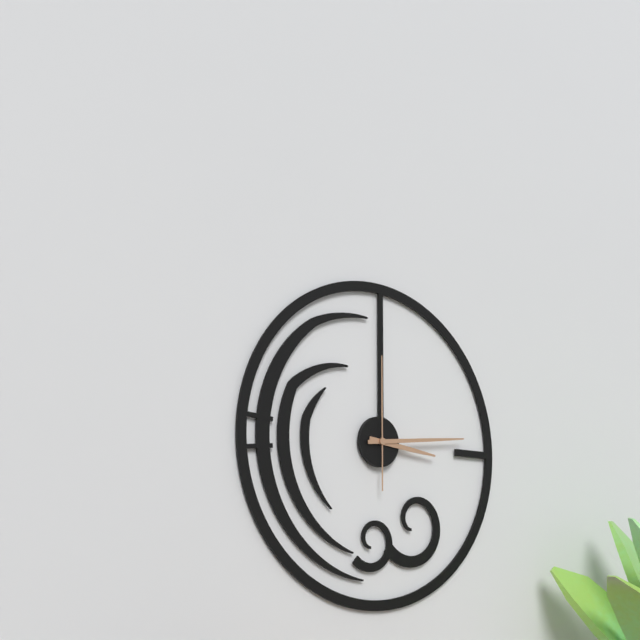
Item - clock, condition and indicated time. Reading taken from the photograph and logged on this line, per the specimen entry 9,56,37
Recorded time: 3,14,00
